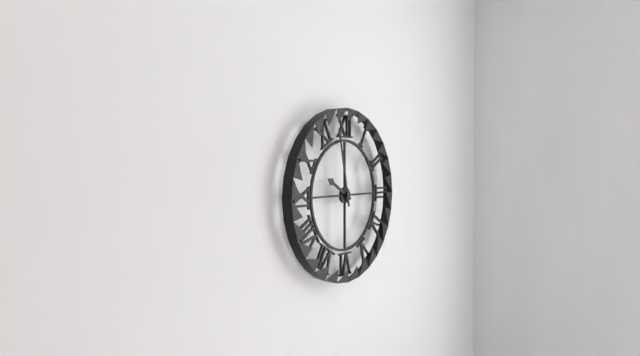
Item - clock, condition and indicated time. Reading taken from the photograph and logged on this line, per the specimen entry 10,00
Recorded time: 9,58
